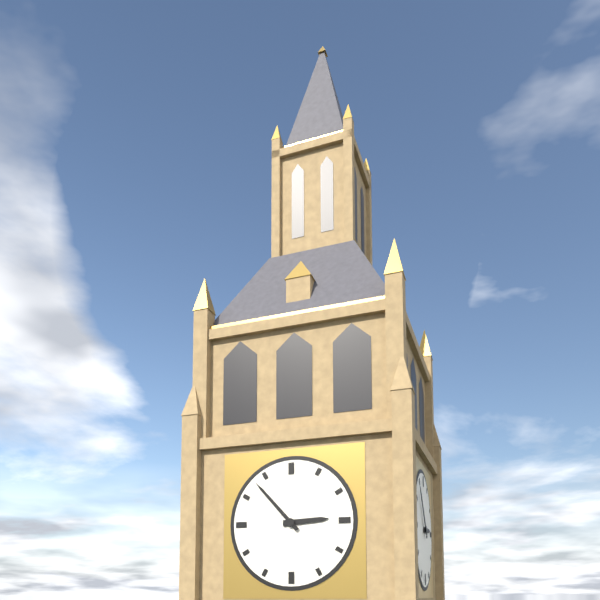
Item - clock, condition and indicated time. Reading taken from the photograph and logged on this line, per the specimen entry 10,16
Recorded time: 2,53
